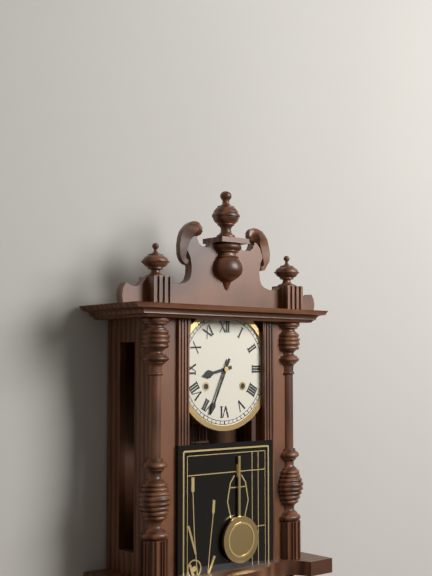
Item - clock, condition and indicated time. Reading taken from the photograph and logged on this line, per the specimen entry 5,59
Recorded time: 8,34
